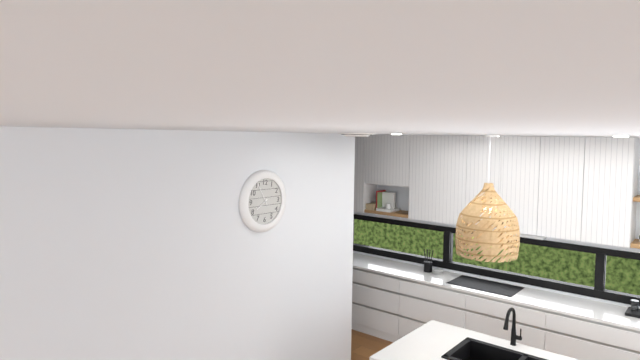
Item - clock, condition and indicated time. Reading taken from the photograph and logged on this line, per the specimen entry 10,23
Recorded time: 7,55
